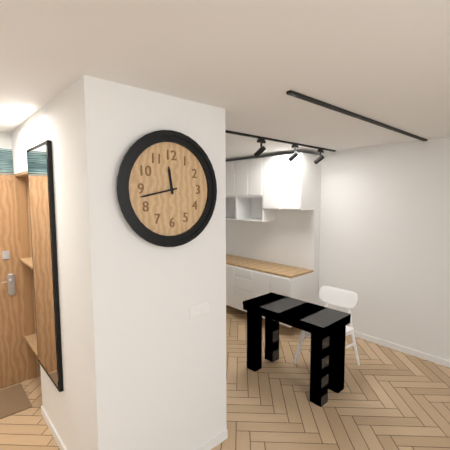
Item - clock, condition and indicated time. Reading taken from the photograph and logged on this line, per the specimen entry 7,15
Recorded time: 11,43
